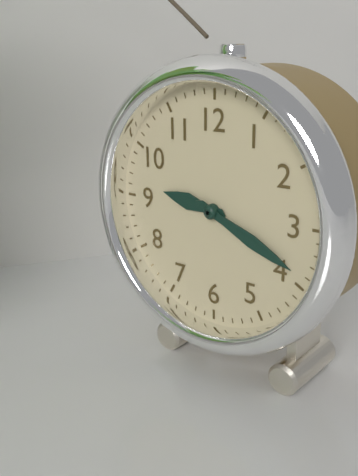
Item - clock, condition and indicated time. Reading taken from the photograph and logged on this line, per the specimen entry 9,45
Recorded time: 9,19
